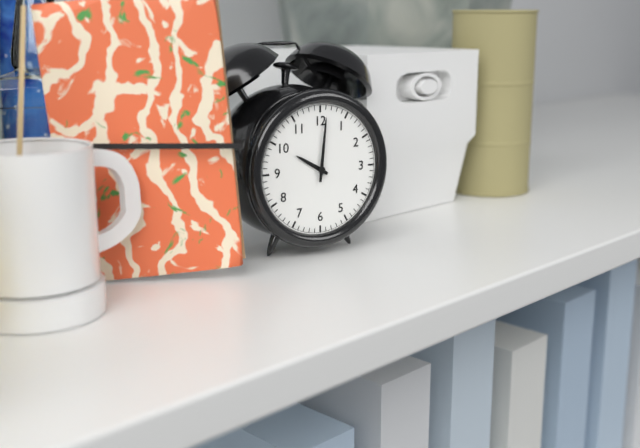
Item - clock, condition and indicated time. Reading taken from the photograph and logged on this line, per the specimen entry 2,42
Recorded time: 10,01
